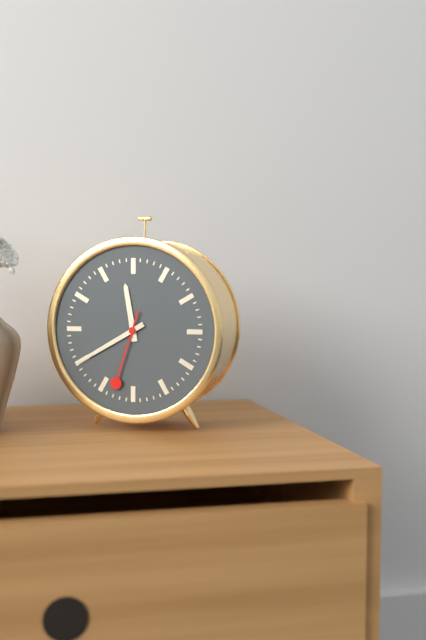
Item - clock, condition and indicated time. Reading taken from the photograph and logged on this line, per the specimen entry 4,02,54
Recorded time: 11,40,33
